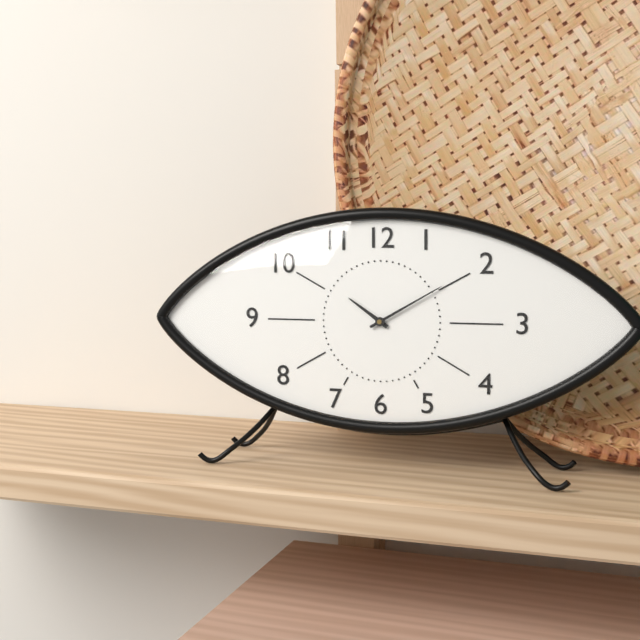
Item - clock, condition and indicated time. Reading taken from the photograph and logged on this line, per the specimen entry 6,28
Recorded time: 10,10
